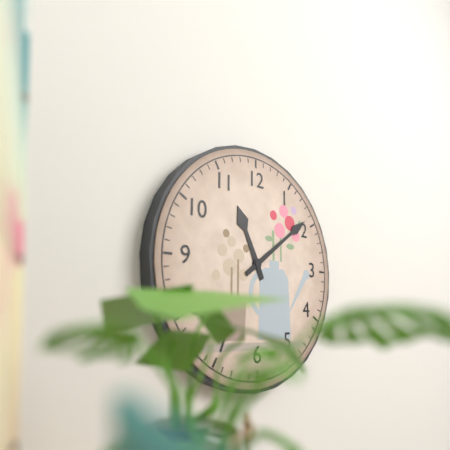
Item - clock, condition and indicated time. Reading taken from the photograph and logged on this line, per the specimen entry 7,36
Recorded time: 11,09
